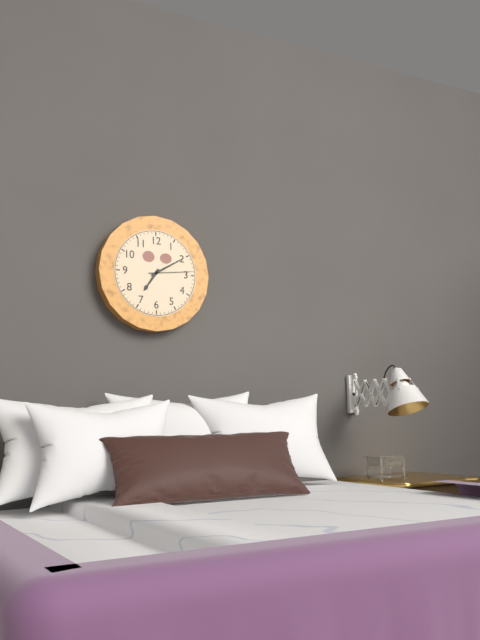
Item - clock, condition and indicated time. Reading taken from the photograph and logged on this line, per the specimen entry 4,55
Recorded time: 7,10
